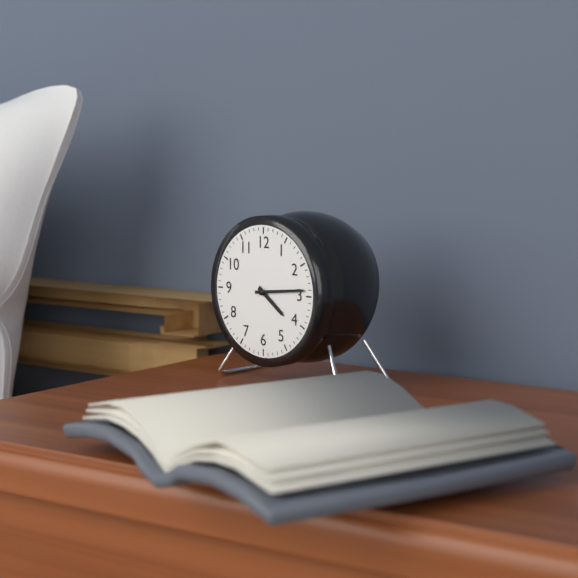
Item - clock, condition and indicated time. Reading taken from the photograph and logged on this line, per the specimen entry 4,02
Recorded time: 4,14
